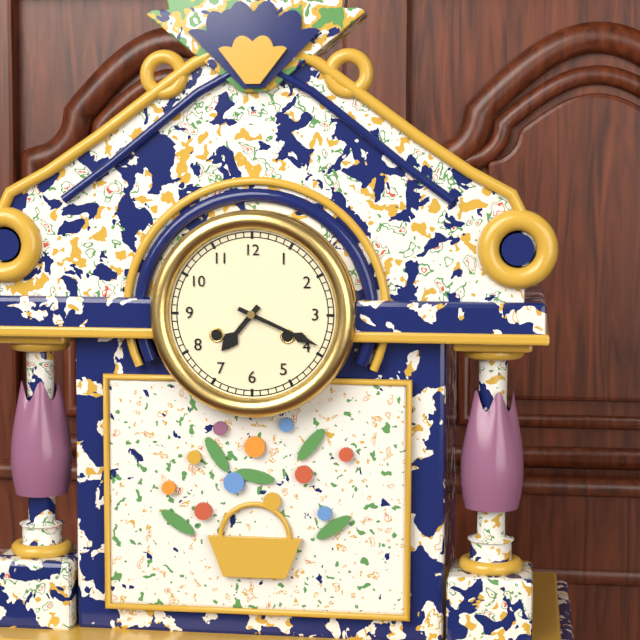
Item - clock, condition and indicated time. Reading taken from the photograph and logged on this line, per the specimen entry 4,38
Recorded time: 7,19
